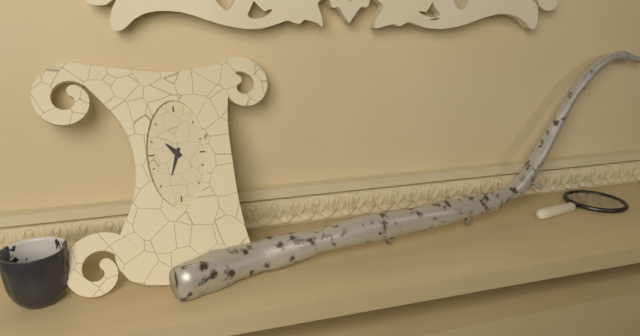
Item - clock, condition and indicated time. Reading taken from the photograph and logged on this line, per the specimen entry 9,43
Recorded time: 10,33
